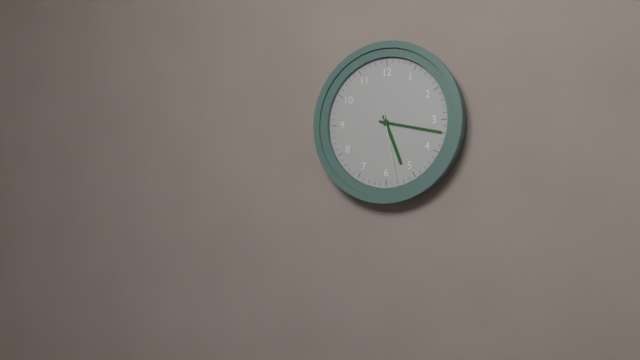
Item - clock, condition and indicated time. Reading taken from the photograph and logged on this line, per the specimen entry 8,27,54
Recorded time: 5,17,28
